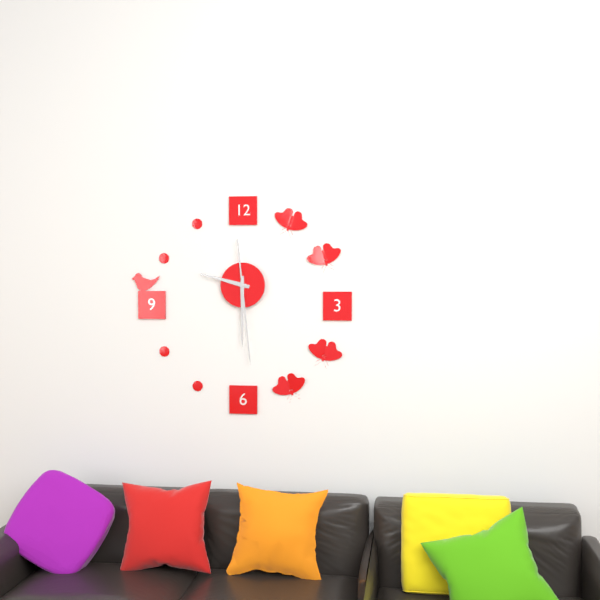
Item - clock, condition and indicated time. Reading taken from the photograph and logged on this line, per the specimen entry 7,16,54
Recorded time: 9,30,29
